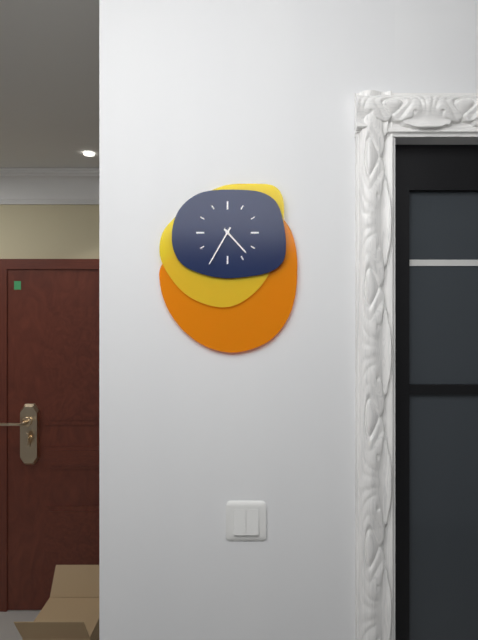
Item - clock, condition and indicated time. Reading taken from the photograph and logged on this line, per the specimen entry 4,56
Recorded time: 4,35
